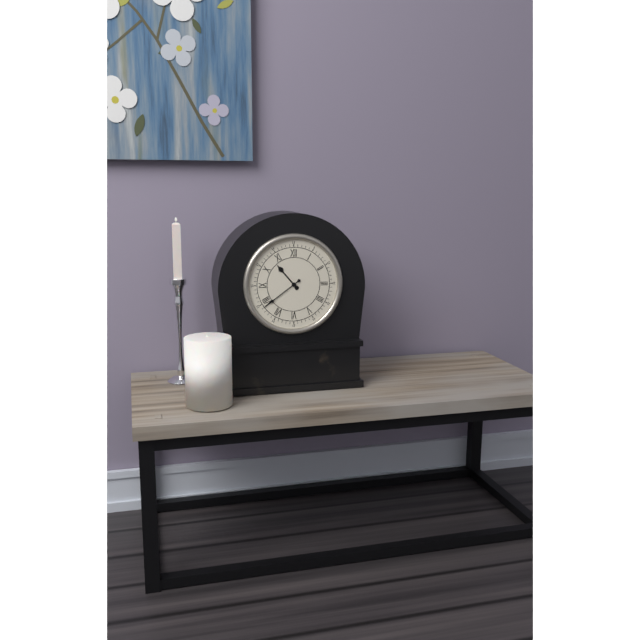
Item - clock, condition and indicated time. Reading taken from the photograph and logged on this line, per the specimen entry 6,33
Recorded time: 10,39
